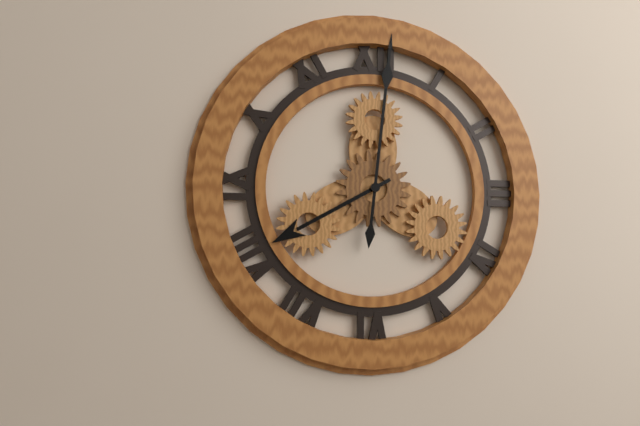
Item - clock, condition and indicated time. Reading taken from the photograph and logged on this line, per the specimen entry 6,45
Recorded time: 8,01
